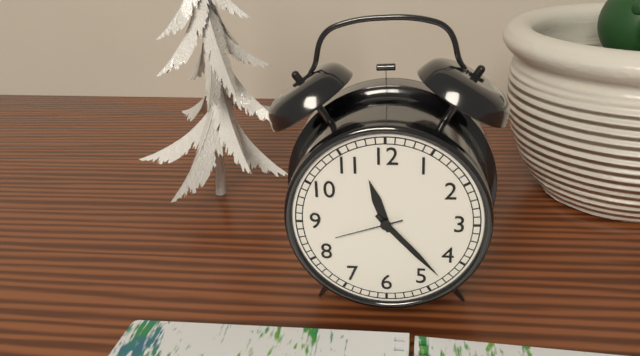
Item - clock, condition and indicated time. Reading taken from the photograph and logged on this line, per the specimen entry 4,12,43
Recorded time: 11,23,42
